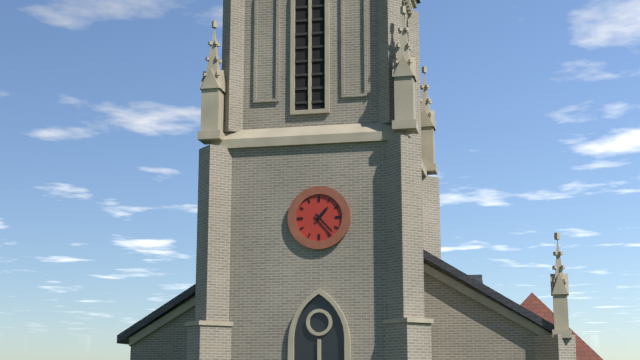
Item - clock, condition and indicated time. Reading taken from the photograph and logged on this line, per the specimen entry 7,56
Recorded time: 1,23
